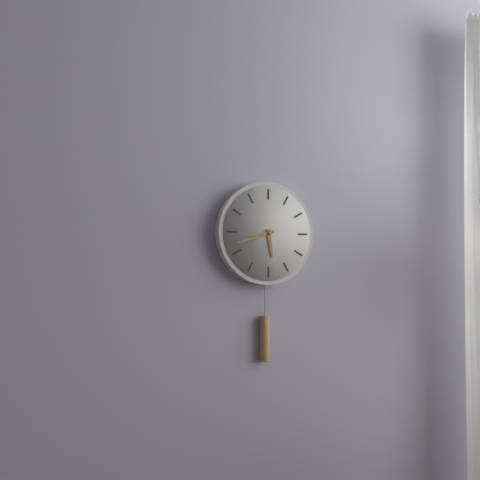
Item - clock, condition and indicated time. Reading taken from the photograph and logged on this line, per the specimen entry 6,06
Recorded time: 5,42
